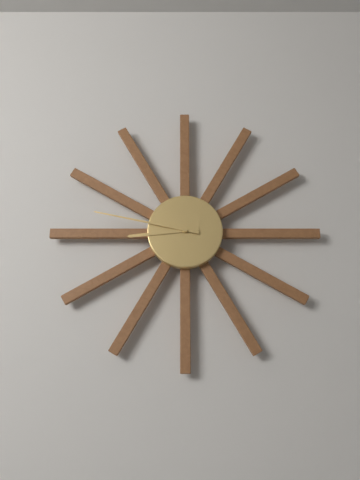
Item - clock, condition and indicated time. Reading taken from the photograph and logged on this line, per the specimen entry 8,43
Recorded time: 8,47
